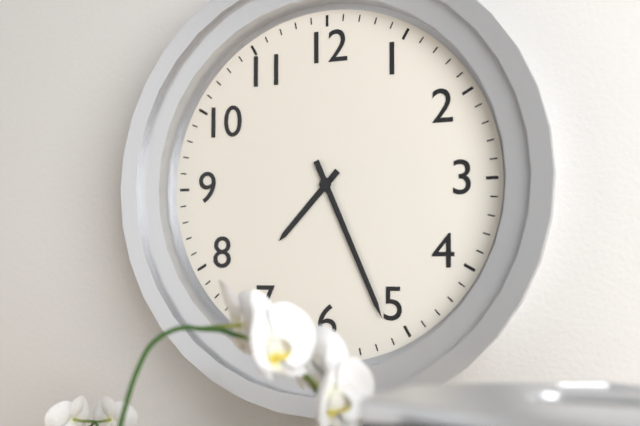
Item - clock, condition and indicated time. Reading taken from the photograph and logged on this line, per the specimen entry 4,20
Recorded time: 7,26
